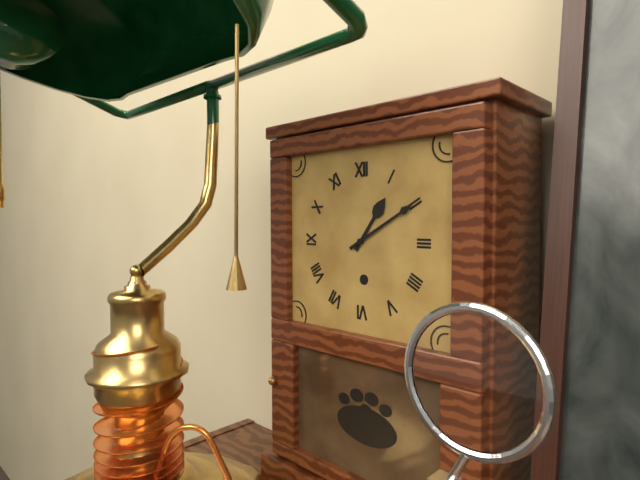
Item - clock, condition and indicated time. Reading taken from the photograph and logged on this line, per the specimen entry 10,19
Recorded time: 1,10
